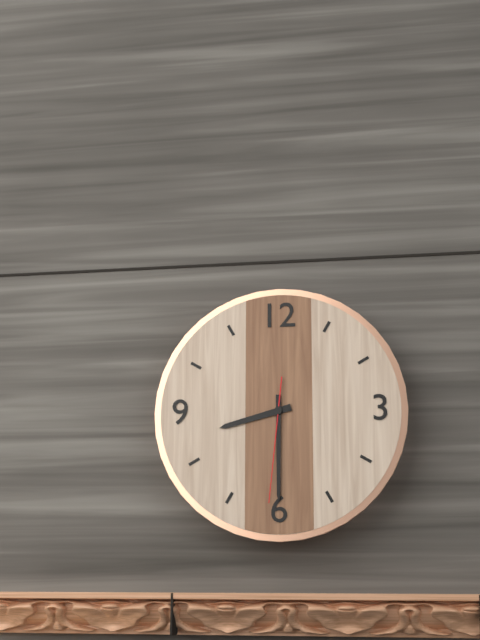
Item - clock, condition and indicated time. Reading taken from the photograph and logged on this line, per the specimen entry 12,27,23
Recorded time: 8,30,31
